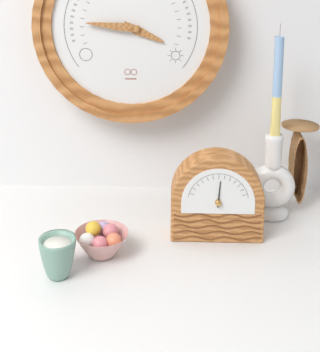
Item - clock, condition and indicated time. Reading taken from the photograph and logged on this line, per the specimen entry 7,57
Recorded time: 3,46
